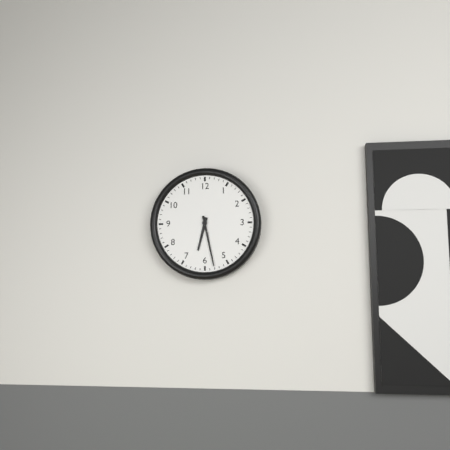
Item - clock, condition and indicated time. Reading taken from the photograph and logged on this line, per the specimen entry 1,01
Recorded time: 6,28
